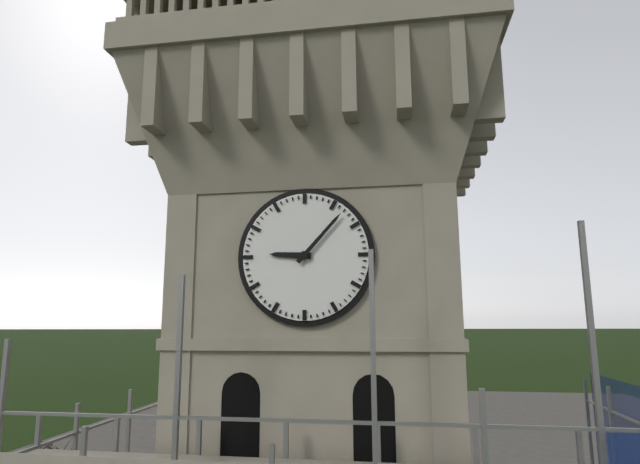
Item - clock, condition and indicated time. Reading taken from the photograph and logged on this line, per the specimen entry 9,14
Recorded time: 9,07
